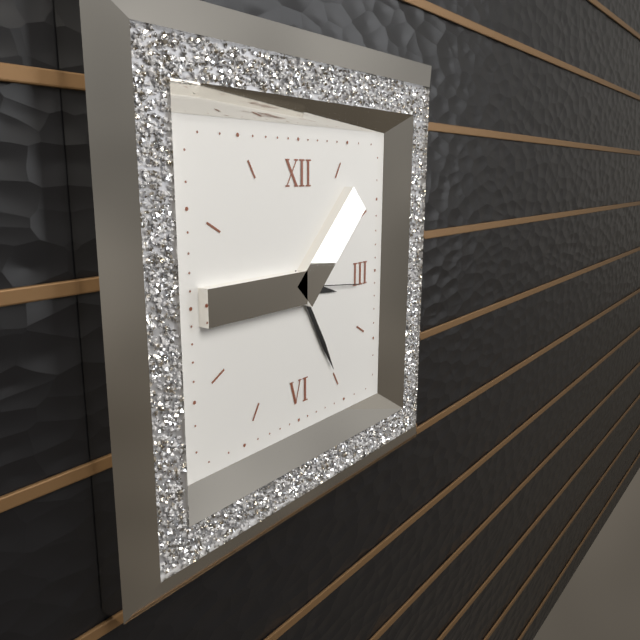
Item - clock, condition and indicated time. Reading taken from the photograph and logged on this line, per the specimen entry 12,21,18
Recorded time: 3,25,16
